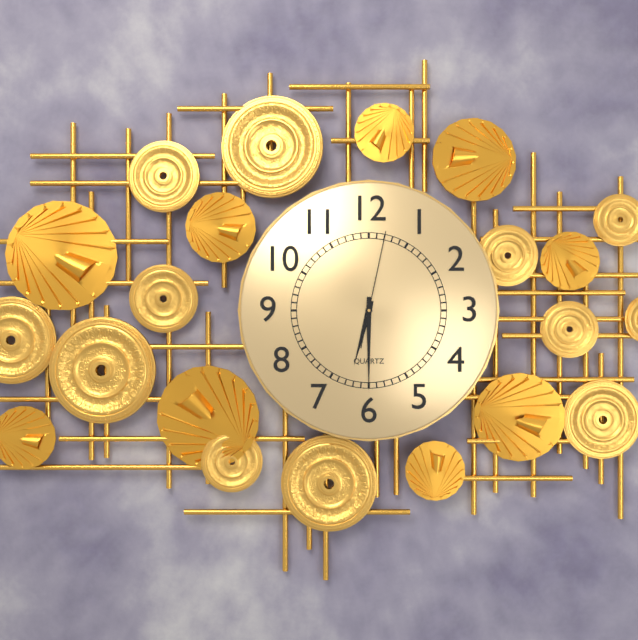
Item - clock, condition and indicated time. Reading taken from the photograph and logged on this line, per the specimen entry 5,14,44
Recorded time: 6,30,02
